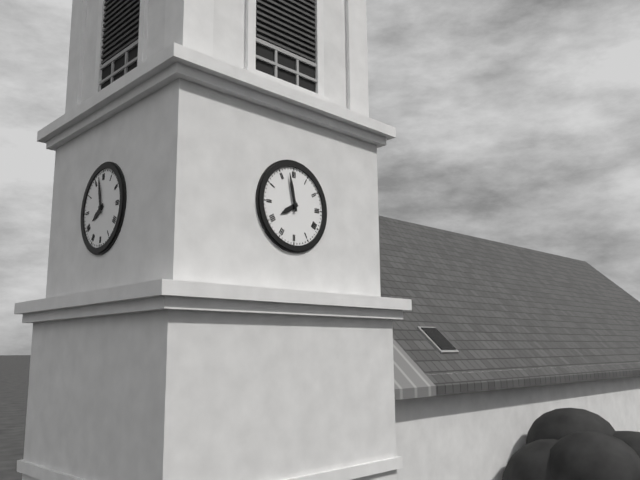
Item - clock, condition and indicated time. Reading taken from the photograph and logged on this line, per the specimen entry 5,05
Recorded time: 7,58
